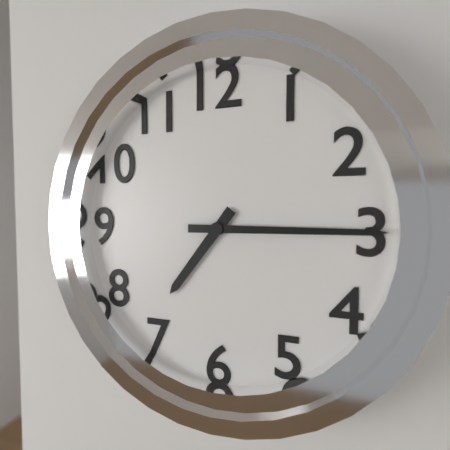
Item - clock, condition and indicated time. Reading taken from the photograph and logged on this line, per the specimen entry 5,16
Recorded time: 7,15
